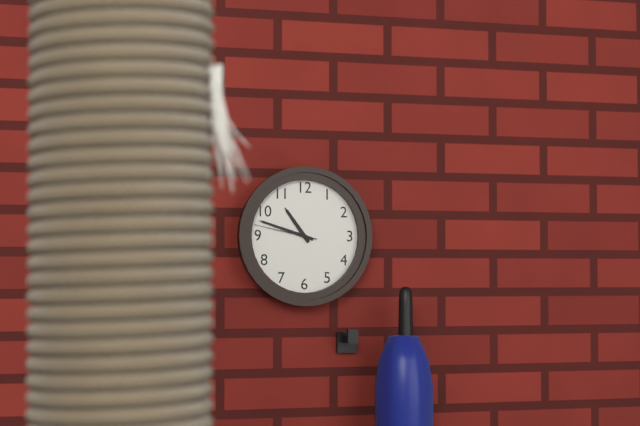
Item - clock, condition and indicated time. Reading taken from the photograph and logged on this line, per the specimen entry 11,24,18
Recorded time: 10,48,47
